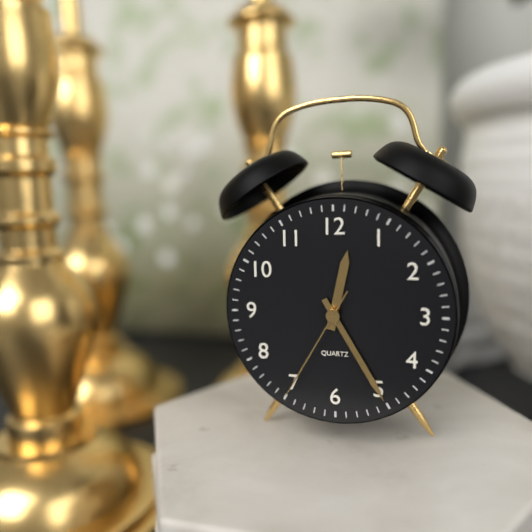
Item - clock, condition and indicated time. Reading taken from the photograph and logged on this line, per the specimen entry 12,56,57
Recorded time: 12,25,35
